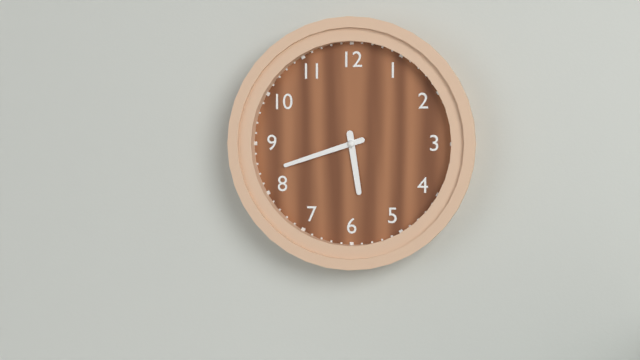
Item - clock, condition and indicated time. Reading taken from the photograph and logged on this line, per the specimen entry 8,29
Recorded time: 5,42
